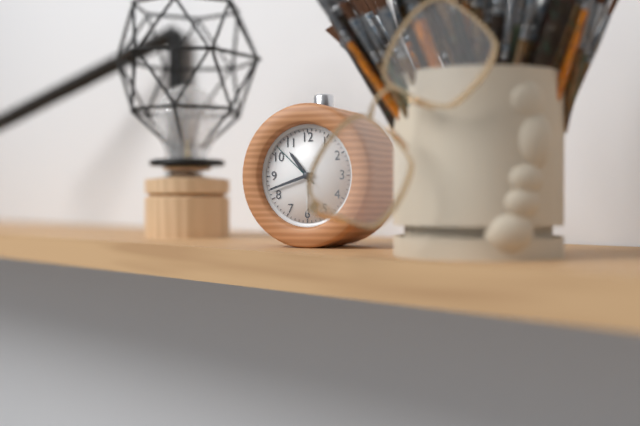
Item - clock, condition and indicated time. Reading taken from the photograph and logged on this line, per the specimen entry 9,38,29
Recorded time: 10,42,52
